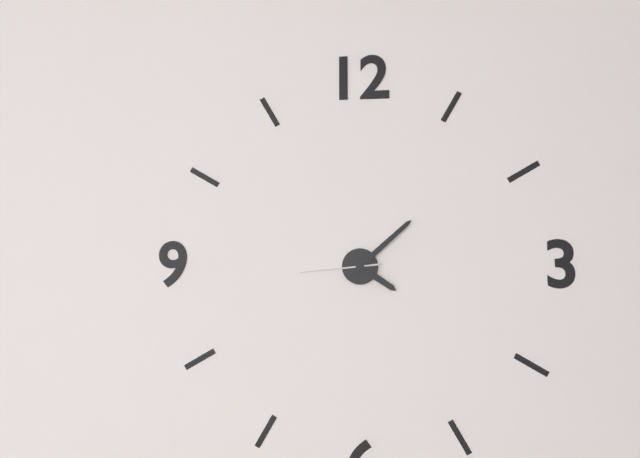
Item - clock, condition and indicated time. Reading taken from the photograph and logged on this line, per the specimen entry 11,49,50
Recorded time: 4,08,44
